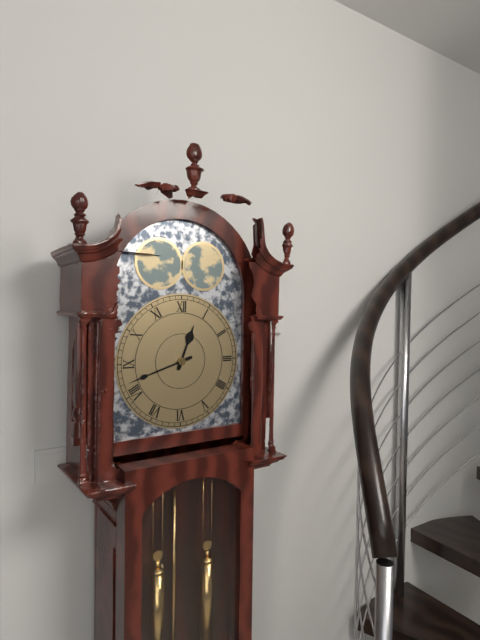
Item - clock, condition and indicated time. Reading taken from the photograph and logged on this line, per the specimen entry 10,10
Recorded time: 12,42
